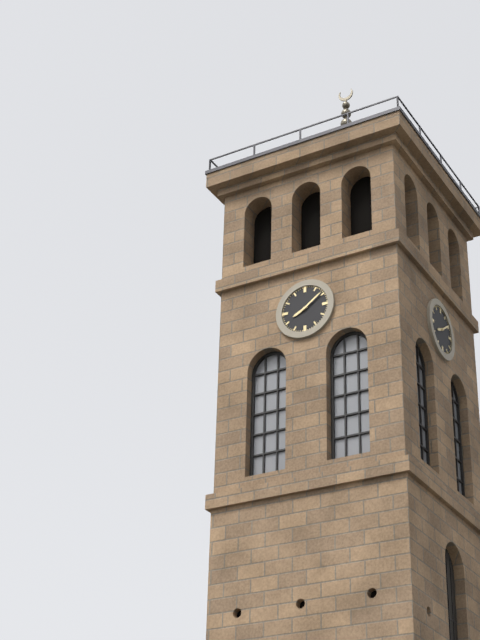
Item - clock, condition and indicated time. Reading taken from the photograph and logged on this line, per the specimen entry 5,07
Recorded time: 8,09
